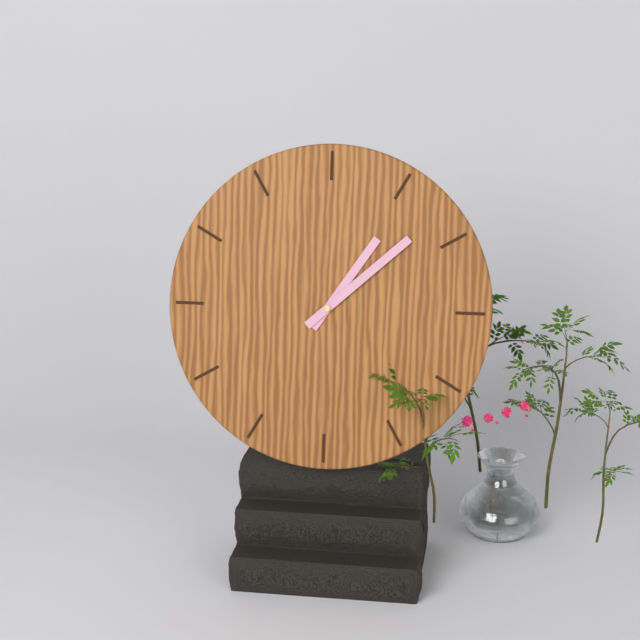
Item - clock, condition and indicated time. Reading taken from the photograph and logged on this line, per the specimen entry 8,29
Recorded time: 1,08
